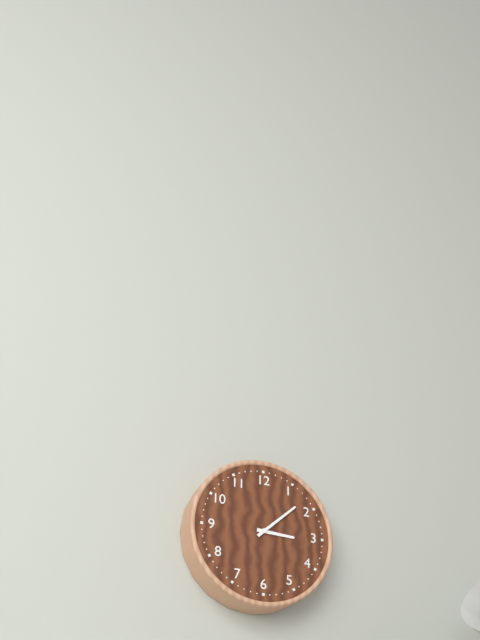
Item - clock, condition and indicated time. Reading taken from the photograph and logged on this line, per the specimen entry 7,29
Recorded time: 3,08
